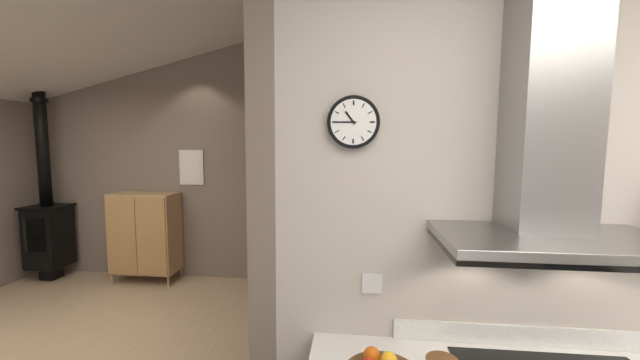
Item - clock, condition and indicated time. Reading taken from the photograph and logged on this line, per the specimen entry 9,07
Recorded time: 10,45
